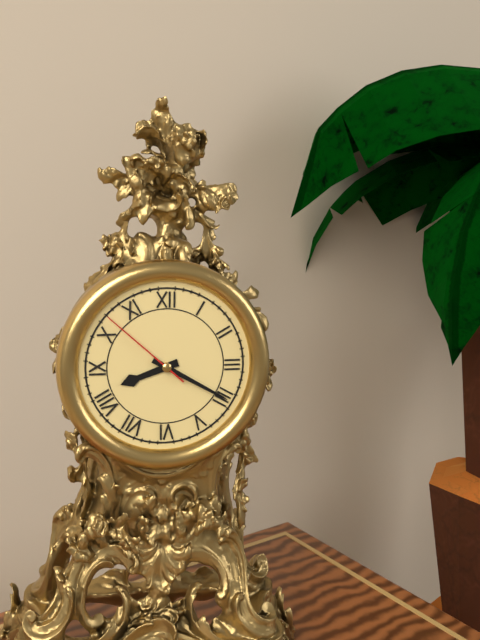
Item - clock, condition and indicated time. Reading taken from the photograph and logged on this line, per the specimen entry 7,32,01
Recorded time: 8,20,52
